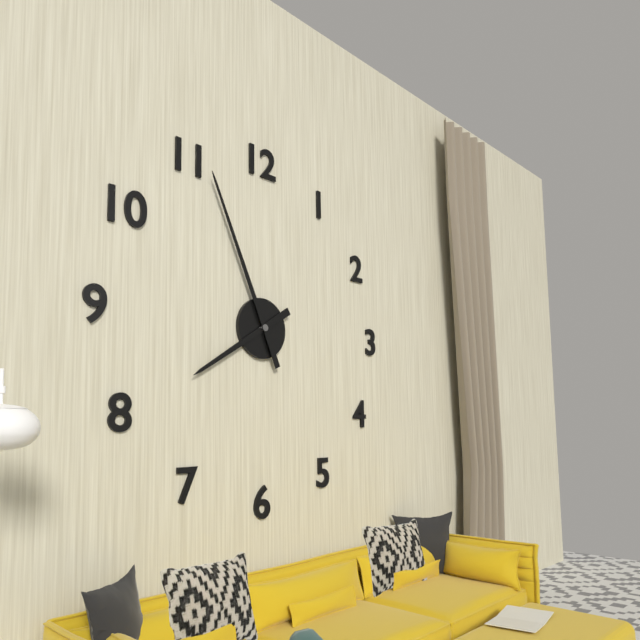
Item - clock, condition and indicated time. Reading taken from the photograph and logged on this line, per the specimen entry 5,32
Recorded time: 7,56
